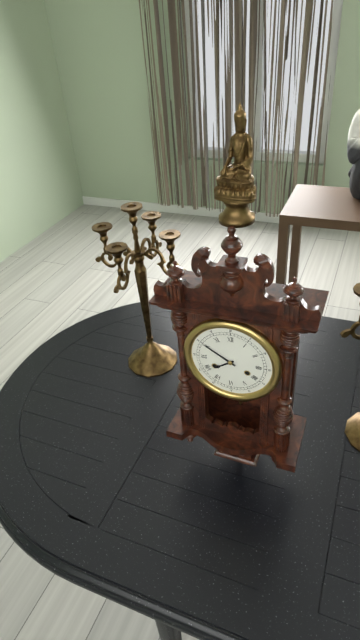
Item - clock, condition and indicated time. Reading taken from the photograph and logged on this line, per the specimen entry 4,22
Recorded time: 7,50
